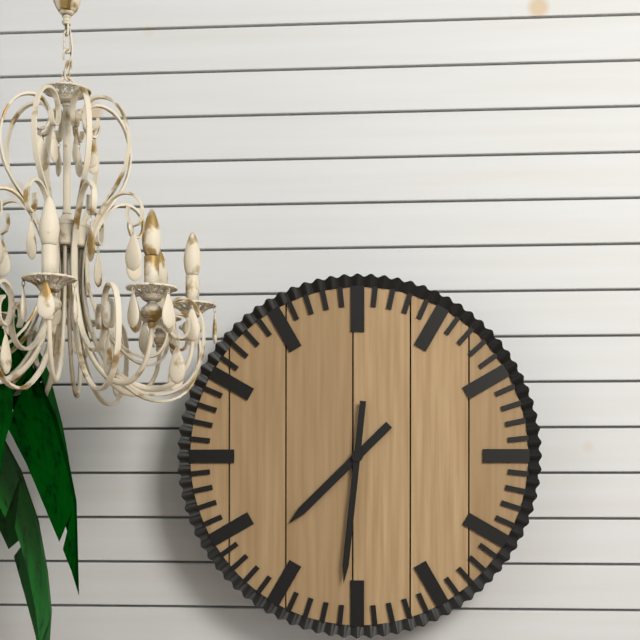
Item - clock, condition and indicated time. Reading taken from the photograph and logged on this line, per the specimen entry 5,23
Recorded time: 7,31
